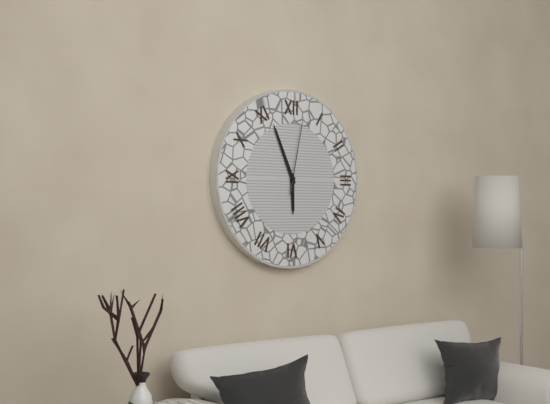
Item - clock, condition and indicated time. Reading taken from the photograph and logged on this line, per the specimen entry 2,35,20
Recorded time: 5,56,02
